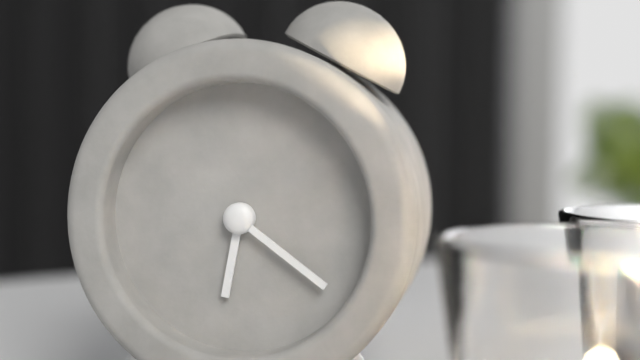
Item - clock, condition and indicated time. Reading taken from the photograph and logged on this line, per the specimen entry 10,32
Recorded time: 6,21
